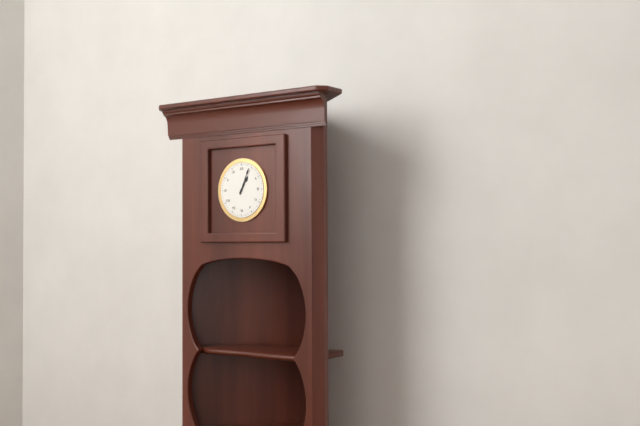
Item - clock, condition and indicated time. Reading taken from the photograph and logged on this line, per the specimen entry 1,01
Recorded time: 1,04
